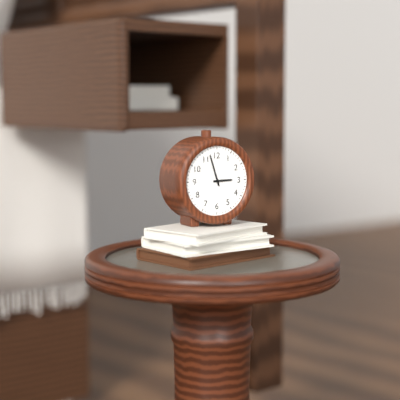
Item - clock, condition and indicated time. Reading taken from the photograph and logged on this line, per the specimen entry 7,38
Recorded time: 2,57
